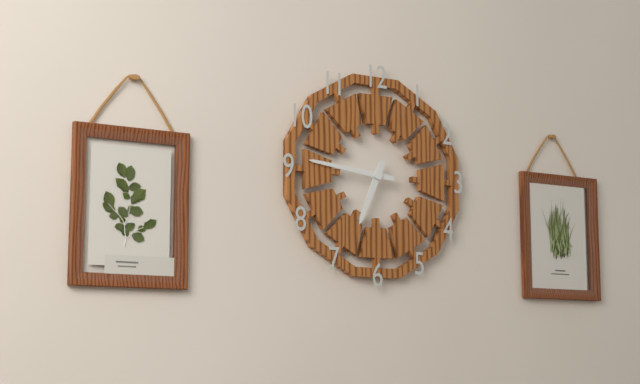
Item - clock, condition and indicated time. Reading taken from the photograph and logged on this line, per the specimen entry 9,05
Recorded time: 6,46
